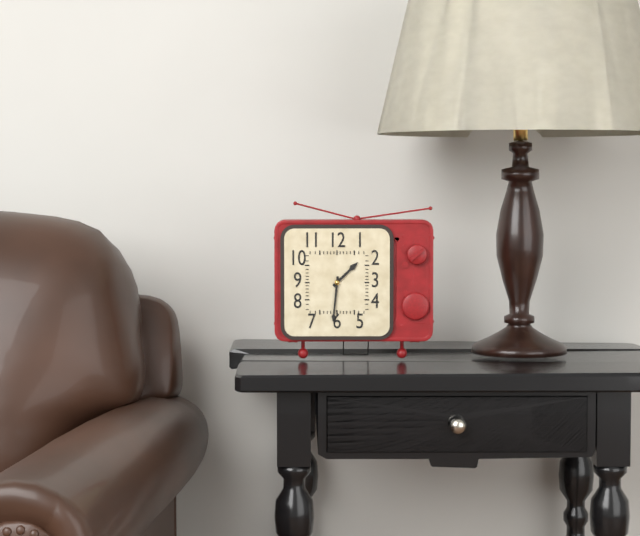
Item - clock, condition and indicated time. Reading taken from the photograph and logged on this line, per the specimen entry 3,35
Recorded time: 1,31
